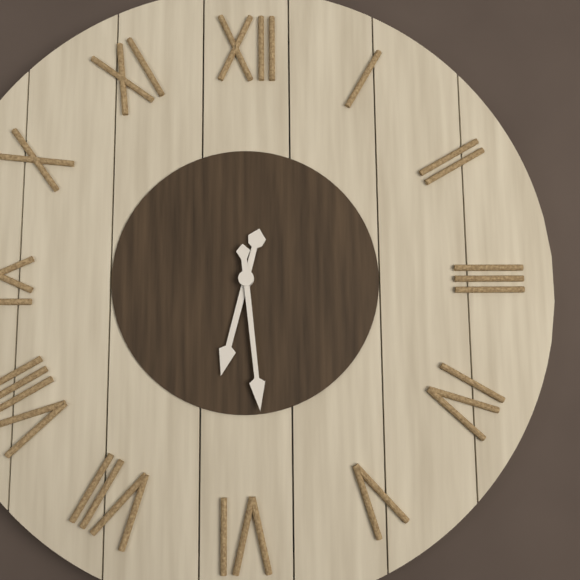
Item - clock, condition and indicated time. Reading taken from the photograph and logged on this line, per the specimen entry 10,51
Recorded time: 6,29
